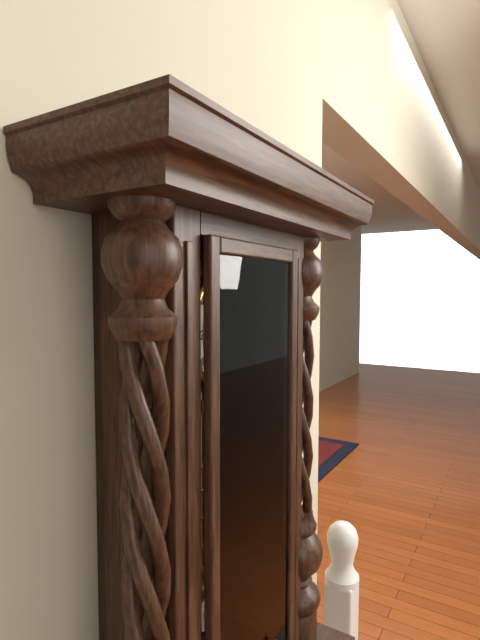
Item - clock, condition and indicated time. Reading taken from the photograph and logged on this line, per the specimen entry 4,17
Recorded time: 12,06
